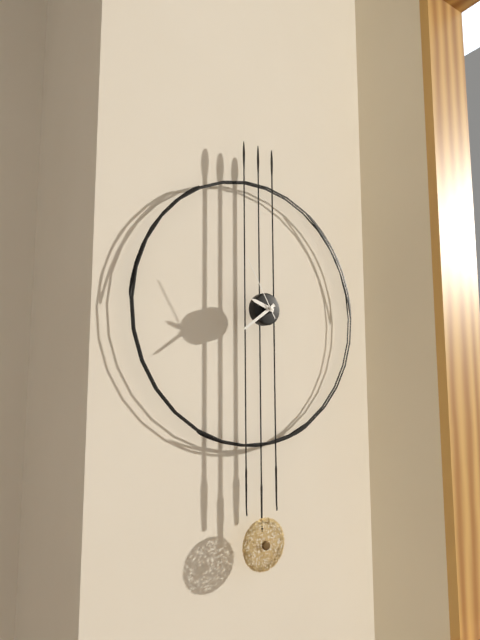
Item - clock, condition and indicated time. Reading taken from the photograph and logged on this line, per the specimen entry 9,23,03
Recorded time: 9,39,55
